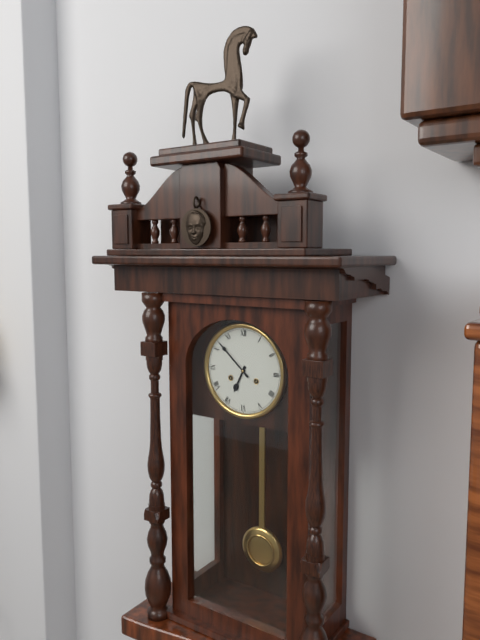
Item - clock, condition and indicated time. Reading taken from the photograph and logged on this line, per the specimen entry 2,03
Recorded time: 6,52
